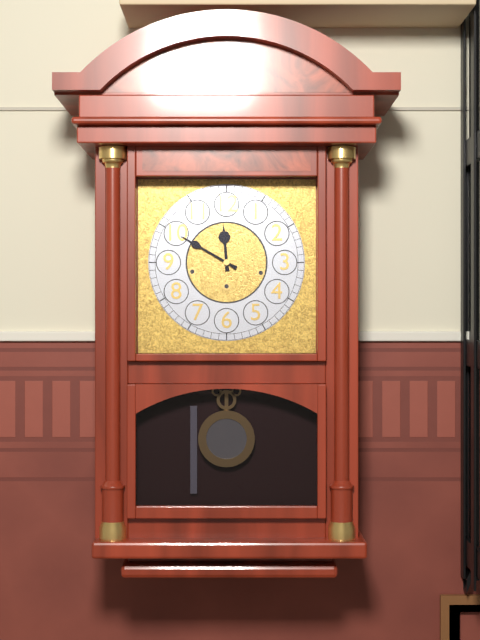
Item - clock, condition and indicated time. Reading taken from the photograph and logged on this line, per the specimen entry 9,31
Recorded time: 11,50
